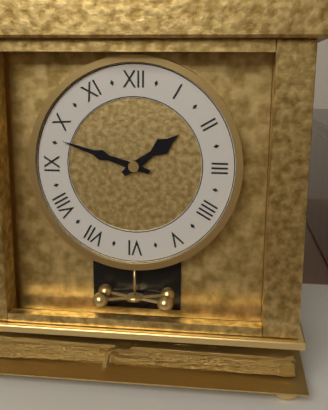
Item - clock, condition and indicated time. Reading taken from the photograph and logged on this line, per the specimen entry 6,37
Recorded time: 1,48
